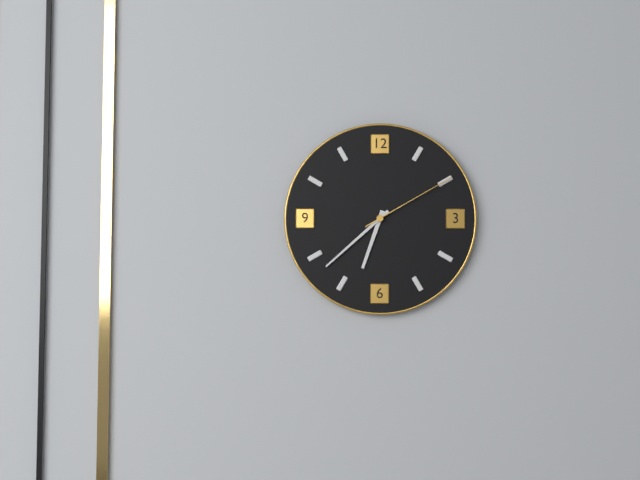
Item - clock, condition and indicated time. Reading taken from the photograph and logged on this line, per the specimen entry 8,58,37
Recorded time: 6,38,10
